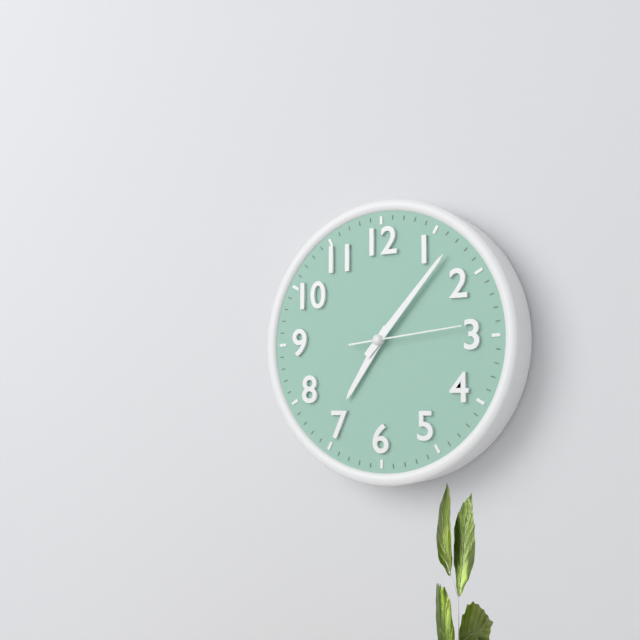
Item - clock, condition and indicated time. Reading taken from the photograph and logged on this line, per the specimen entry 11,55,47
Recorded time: 7,07,14
